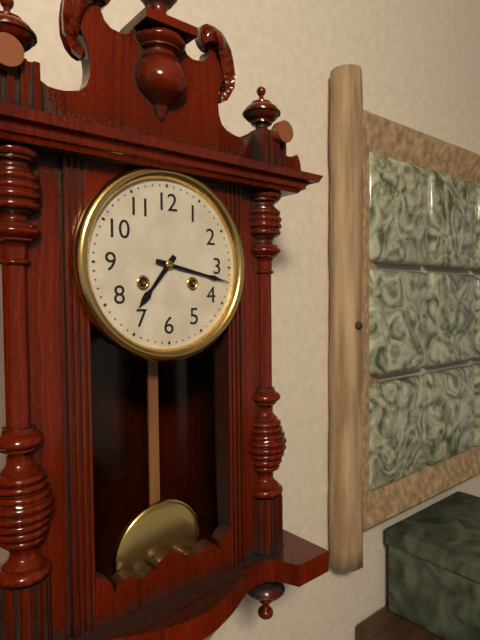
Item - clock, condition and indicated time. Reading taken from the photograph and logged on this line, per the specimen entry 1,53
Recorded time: 7,17
